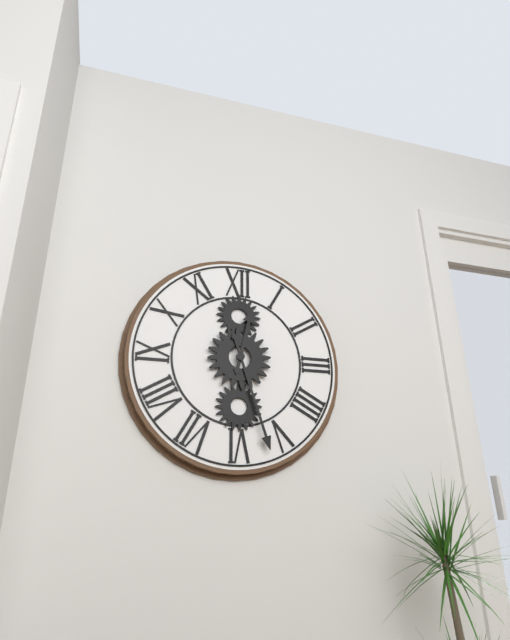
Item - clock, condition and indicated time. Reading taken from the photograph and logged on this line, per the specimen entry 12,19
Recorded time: 12,27
